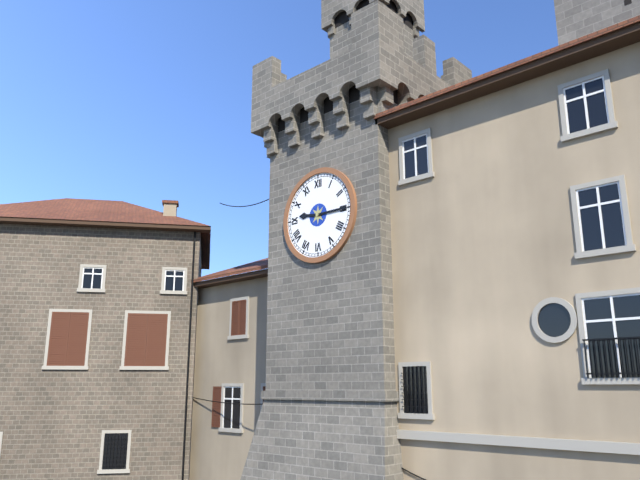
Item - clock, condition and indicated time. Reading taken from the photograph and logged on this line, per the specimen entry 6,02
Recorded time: 9,15
